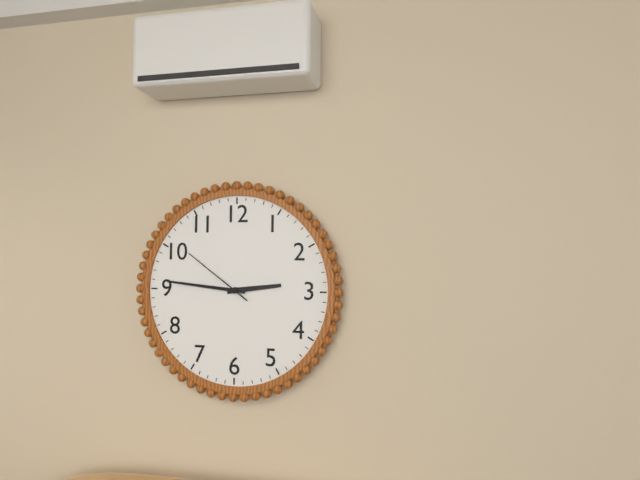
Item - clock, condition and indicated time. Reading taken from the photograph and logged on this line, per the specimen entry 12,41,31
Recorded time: 2,46,51
